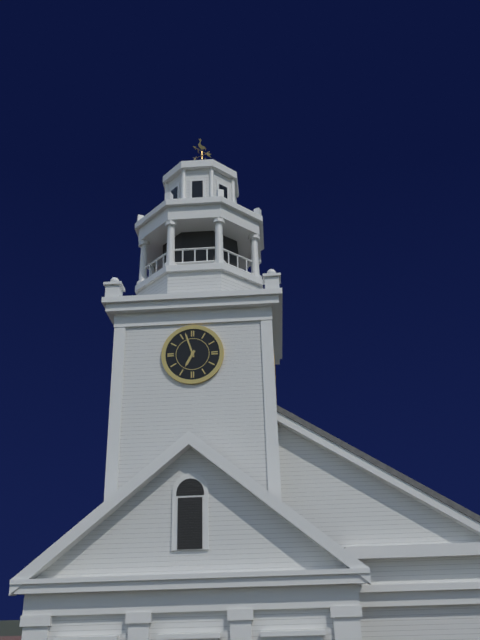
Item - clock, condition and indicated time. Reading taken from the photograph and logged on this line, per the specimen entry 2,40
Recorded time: 6,57
